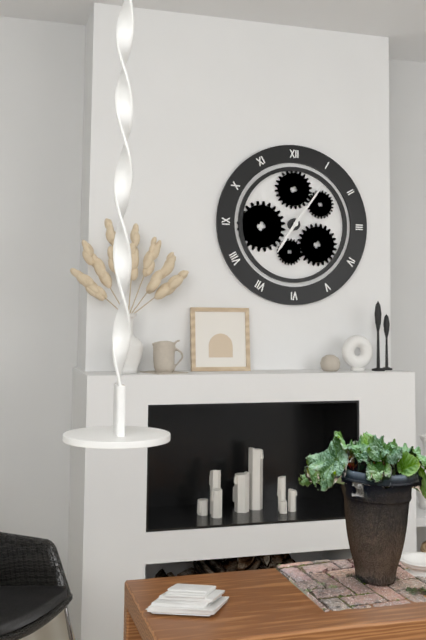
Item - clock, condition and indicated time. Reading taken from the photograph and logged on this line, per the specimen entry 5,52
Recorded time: 7,06
